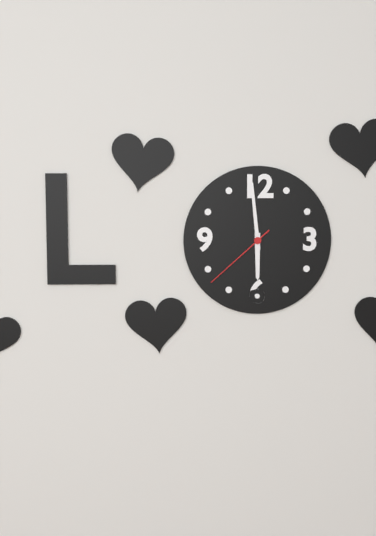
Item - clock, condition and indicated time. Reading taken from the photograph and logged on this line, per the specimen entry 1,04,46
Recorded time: 5,59,38
